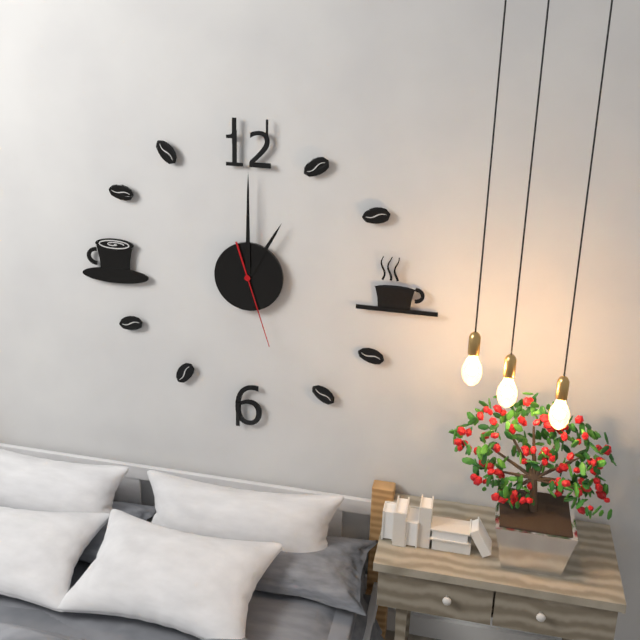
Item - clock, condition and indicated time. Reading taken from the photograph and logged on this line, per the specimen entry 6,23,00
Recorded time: 1,00,27
